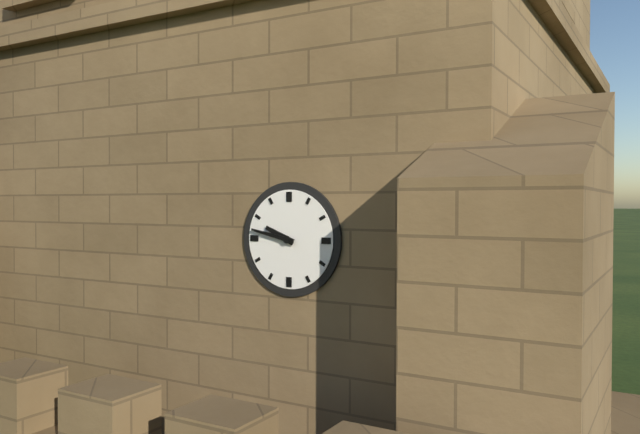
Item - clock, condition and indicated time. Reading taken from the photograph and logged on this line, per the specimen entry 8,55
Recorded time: 9,47
